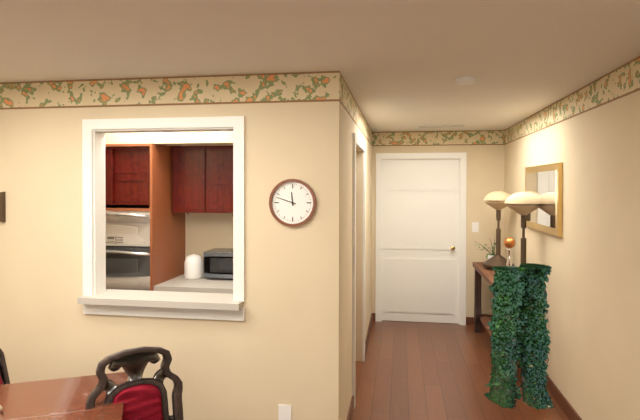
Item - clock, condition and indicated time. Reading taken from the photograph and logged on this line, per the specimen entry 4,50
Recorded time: 11,48
